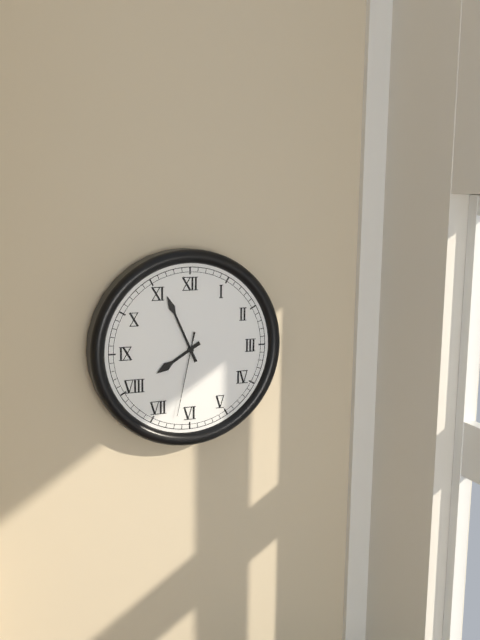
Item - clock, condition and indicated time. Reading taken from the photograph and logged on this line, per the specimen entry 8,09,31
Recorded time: 7,56,32
